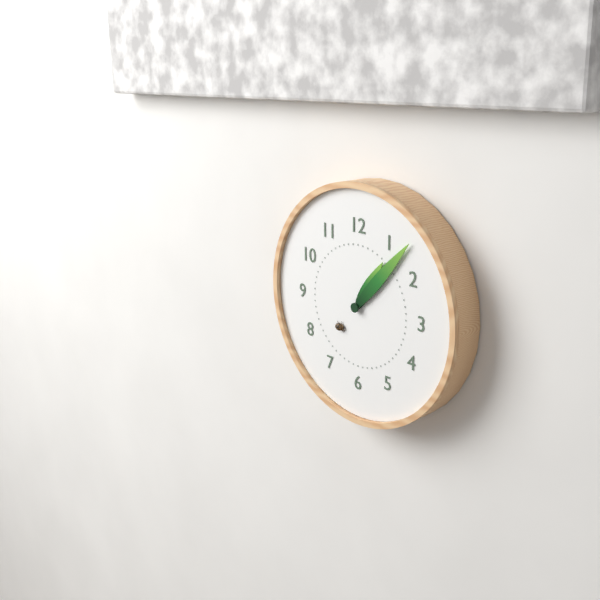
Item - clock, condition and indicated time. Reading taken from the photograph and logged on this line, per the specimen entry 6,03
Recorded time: 1,07
